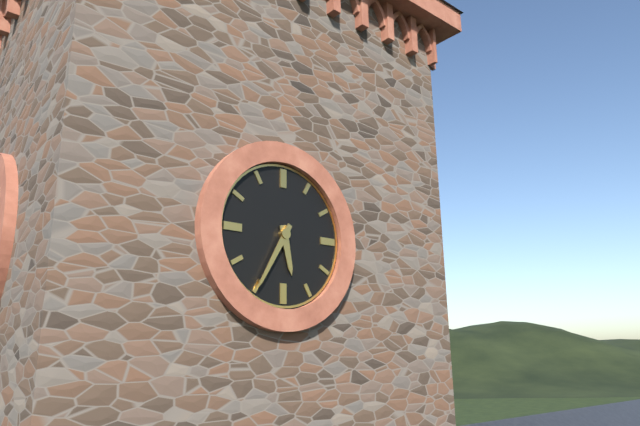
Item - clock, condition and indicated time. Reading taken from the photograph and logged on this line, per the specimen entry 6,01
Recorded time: 5,35
